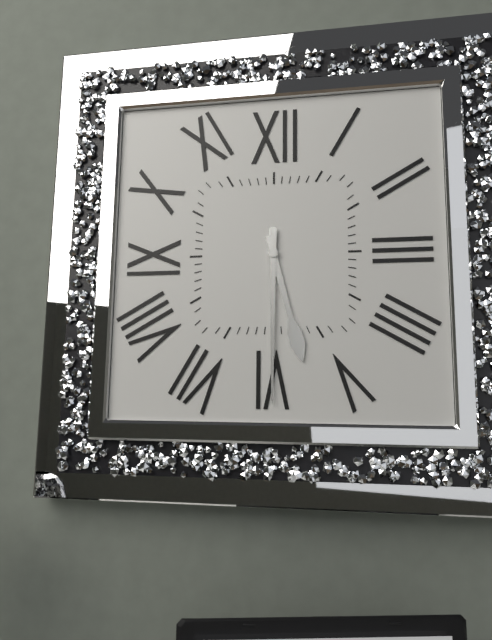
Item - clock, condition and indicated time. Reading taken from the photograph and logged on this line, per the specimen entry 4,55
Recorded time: 5,30
